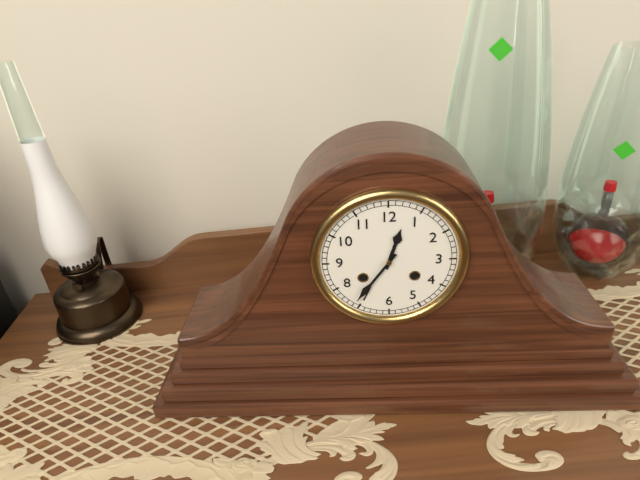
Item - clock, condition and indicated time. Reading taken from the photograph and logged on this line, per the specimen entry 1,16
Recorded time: 12,36
